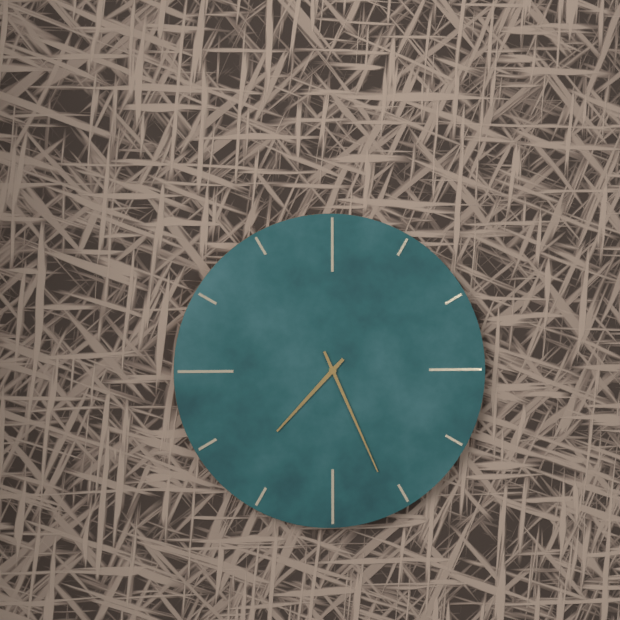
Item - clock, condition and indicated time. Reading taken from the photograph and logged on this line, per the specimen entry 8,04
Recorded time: 7,26
